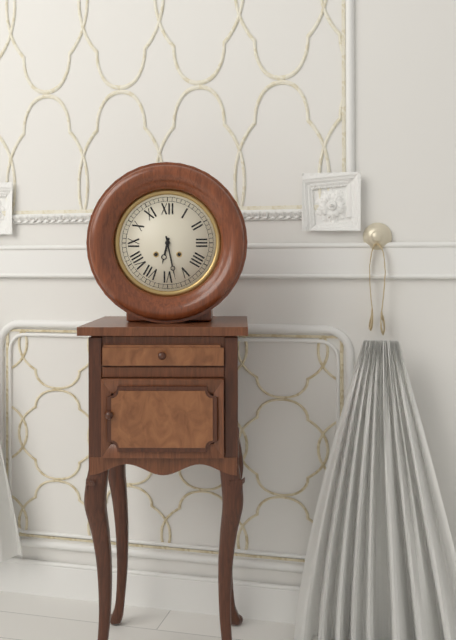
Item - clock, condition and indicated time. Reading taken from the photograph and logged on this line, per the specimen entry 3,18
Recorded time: 6,28
